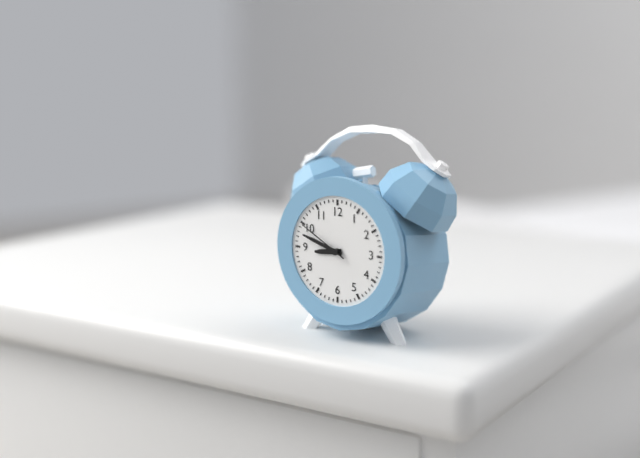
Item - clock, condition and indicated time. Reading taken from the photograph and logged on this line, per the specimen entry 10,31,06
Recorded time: 8,48,50
